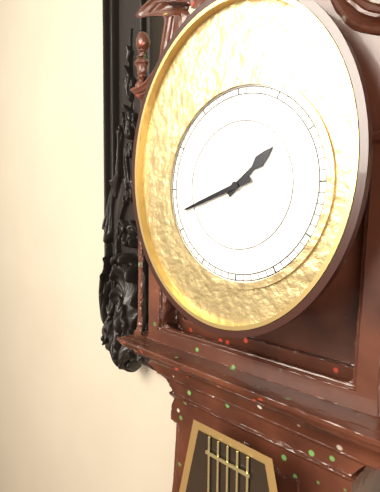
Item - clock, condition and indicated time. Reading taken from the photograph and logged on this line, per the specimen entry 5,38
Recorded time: 1,42
